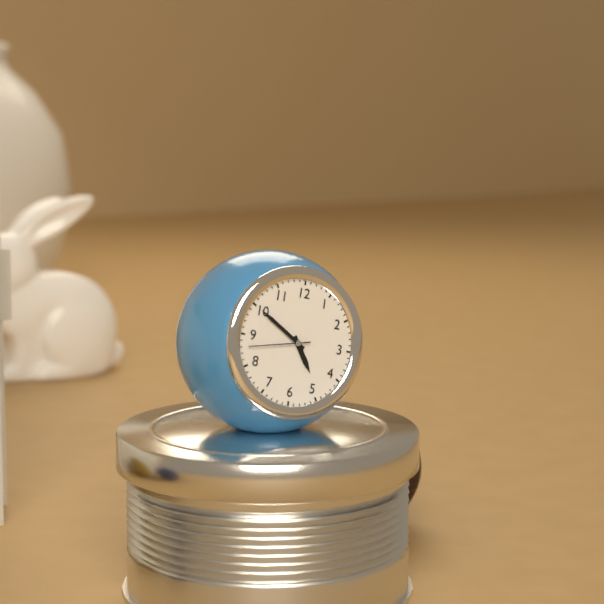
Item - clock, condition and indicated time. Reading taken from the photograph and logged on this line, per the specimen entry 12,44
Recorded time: 4,50
